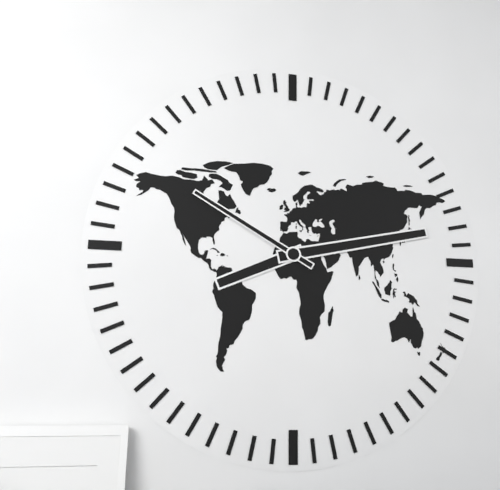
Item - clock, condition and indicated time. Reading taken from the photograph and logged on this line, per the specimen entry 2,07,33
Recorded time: 8,13,50
